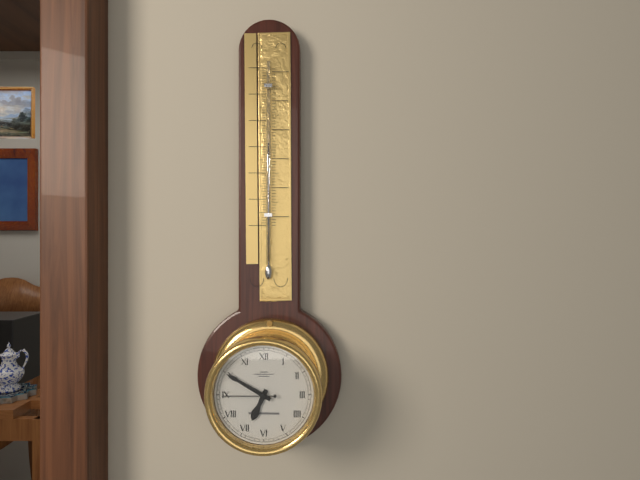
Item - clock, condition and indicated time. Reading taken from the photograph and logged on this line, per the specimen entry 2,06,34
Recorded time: 6,50,45
